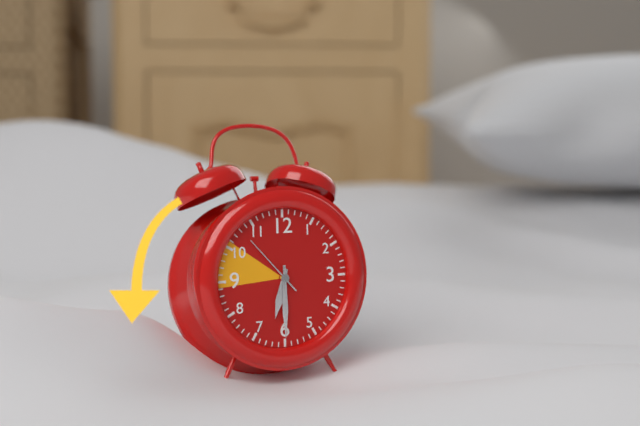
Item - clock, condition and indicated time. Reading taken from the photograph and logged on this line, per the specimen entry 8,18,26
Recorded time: 6,30,53
